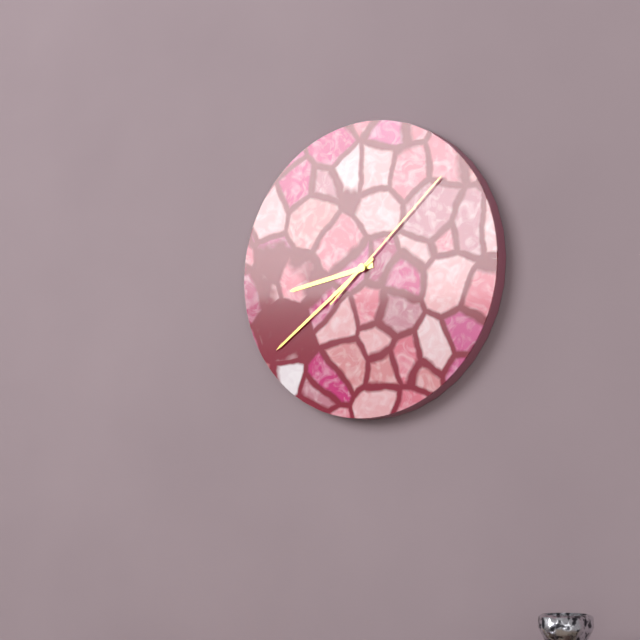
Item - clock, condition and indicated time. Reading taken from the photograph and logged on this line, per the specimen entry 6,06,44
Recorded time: 8,39,08
